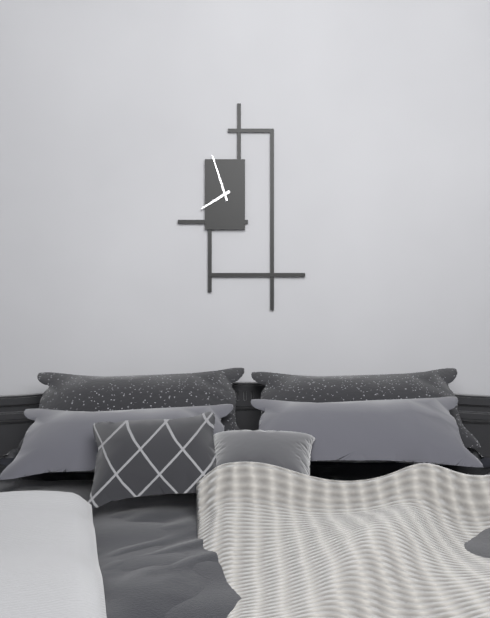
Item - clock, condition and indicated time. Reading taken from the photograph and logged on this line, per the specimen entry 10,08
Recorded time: 7,57
